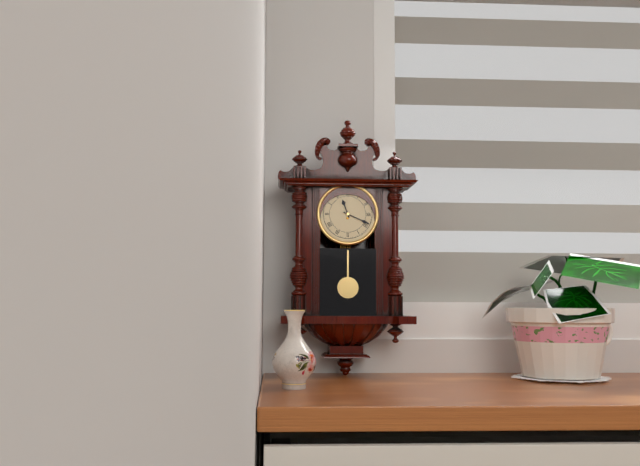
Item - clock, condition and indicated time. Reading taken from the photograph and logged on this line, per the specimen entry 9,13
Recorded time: 11,19
